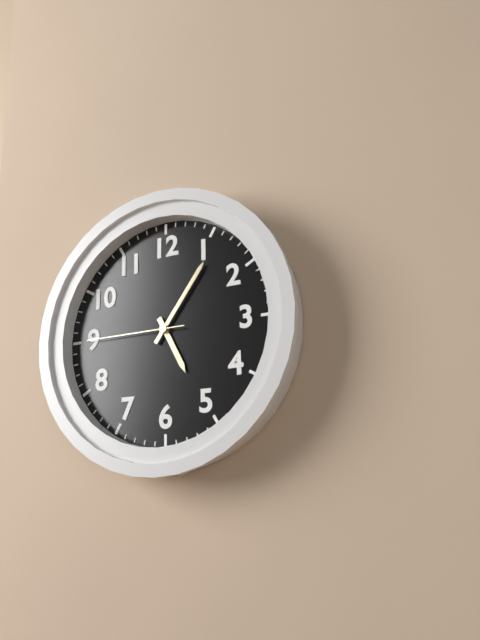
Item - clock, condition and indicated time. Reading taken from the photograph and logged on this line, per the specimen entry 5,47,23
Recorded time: 5,06,45
